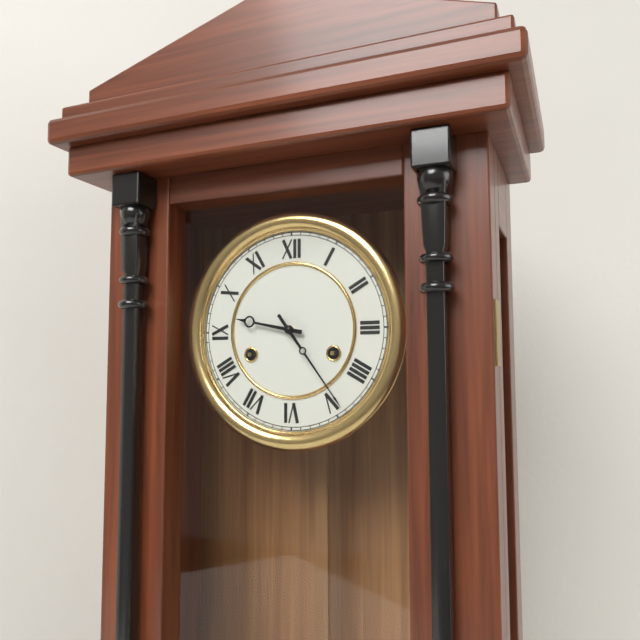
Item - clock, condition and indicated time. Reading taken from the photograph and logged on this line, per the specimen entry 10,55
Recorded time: 9,24
